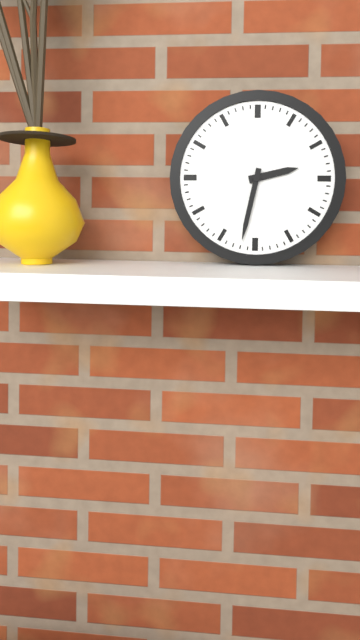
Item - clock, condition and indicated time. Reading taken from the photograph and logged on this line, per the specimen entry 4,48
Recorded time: 2,32
